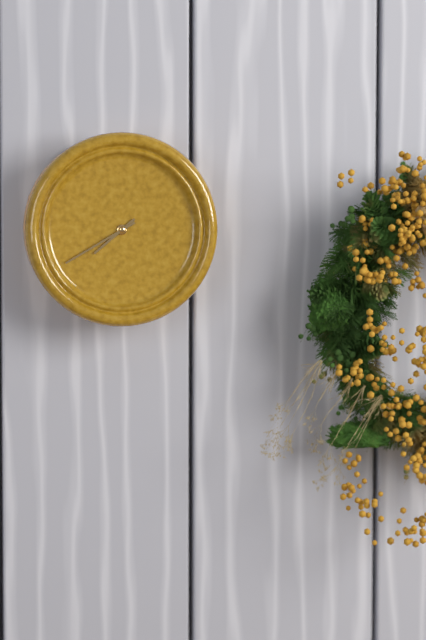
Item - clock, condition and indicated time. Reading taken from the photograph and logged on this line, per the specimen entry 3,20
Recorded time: 7,40
